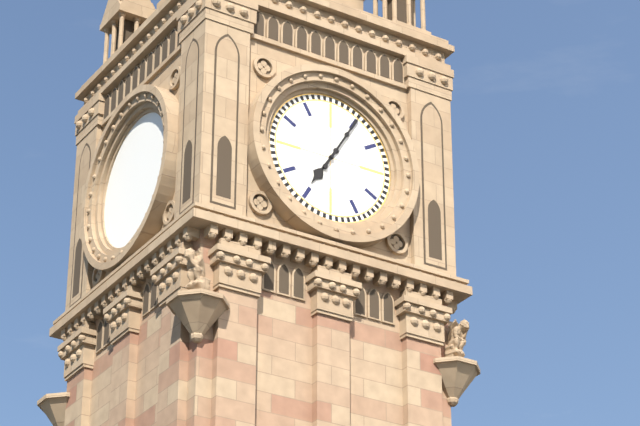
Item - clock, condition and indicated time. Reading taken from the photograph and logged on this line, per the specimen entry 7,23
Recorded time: 7,05
